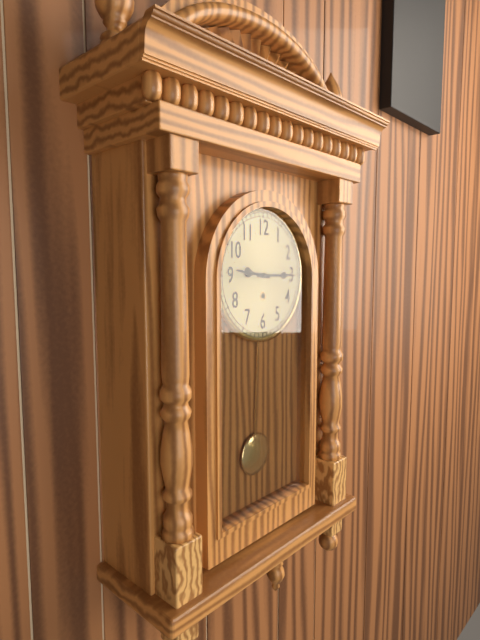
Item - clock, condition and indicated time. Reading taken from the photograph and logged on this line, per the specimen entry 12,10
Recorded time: 9,15
